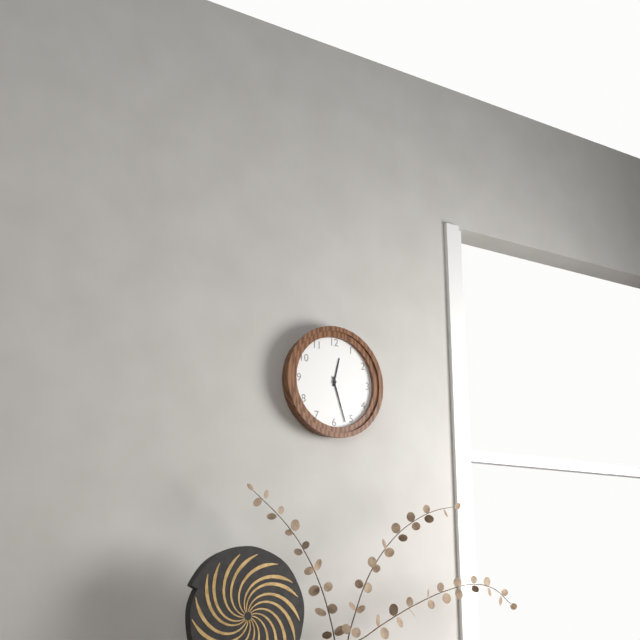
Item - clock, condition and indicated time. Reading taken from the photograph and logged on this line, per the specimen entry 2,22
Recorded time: 12,27
